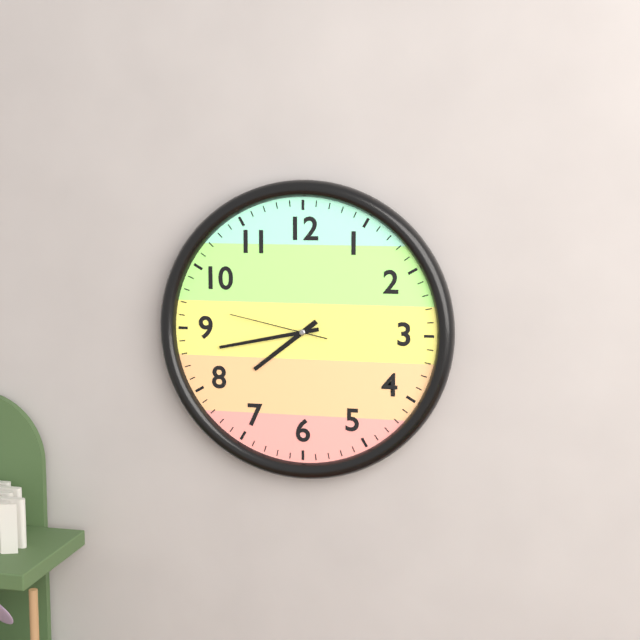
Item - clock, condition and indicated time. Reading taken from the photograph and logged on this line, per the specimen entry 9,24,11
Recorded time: 7,43,47
